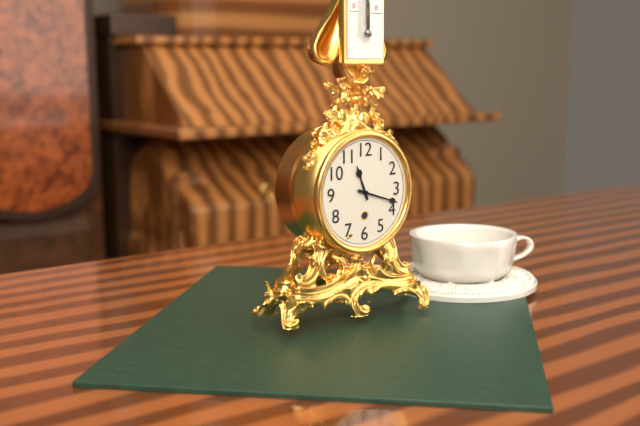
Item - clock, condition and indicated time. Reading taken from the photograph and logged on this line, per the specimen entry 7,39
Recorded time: 11,18
